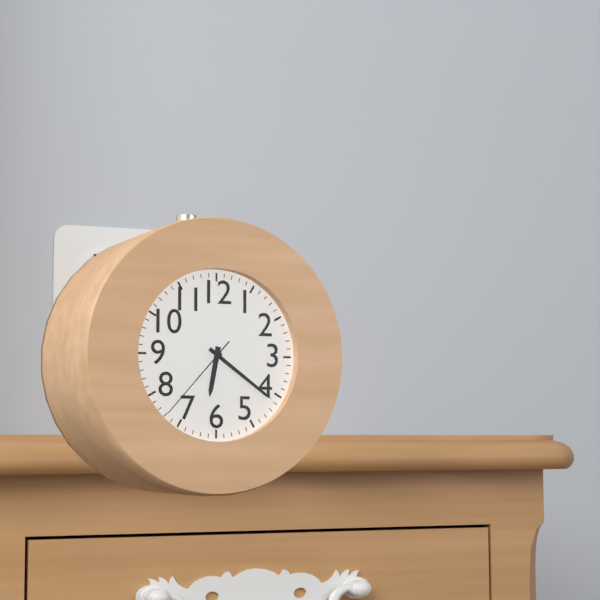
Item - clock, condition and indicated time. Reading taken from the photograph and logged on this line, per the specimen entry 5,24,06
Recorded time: 6,21,37
